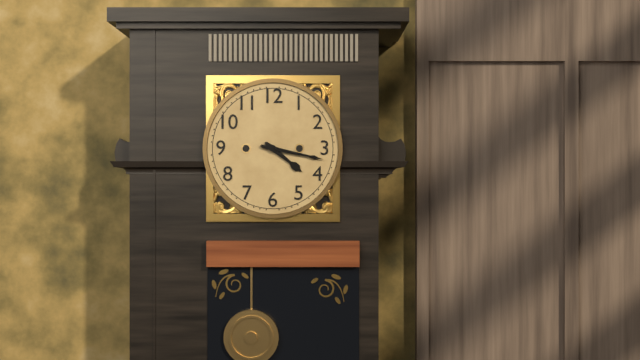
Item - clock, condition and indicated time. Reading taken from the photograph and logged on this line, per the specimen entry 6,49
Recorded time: 4,17
